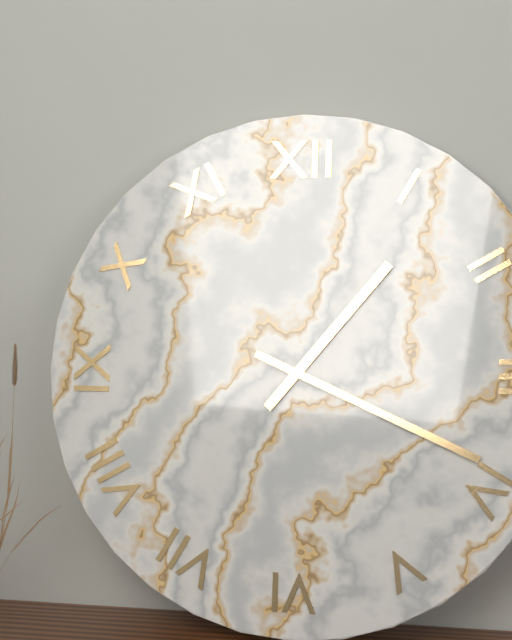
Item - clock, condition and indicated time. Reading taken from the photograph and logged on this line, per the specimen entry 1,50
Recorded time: 1,19
